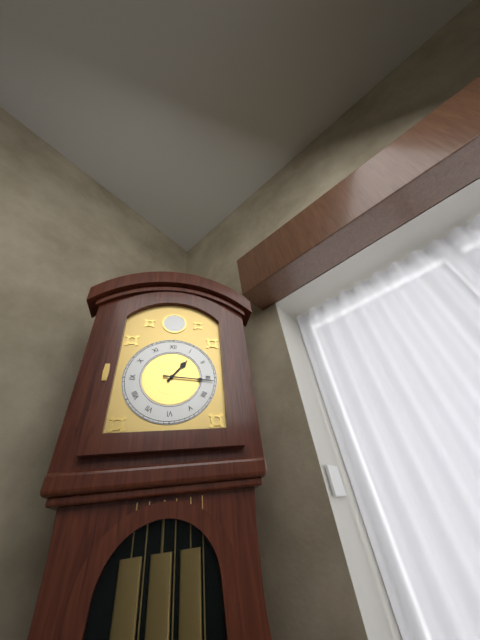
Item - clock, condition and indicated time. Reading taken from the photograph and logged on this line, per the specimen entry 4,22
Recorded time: 1,16
